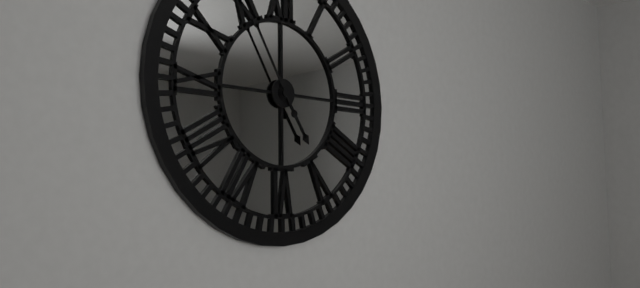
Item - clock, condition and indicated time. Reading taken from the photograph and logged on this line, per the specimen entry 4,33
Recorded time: 4,55
